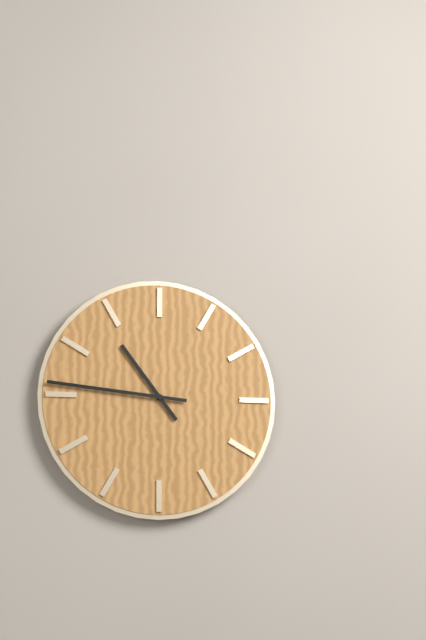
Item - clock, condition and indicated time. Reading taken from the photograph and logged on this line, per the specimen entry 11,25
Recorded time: 10,46
